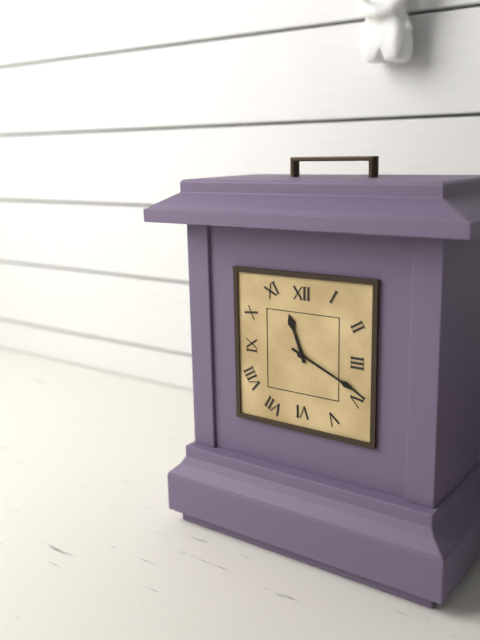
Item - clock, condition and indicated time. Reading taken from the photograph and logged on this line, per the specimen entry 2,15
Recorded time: 11,19
